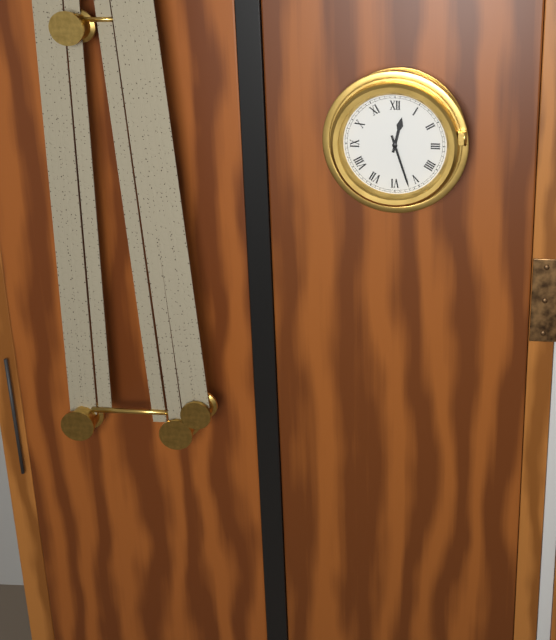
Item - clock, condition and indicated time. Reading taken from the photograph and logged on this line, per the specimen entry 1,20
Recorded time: 12,27
